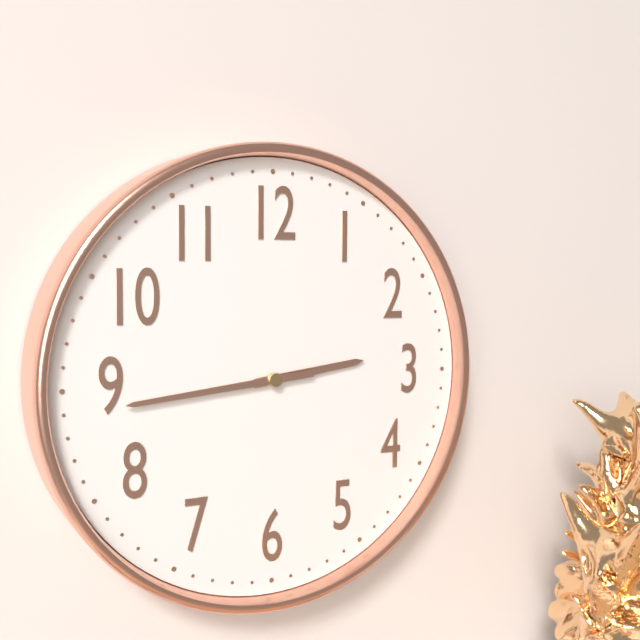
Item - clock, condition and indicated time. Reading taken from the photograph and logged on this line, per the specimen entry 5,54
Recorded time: 2,44
